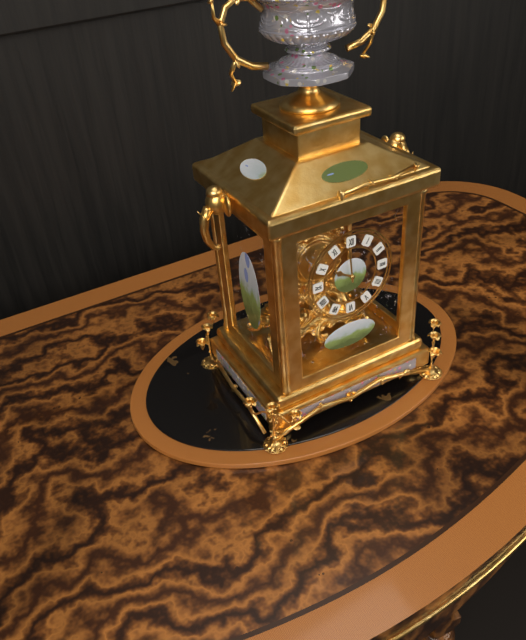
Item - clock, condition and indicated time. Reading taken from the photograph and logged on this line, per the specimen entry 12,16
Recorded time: 9,59
